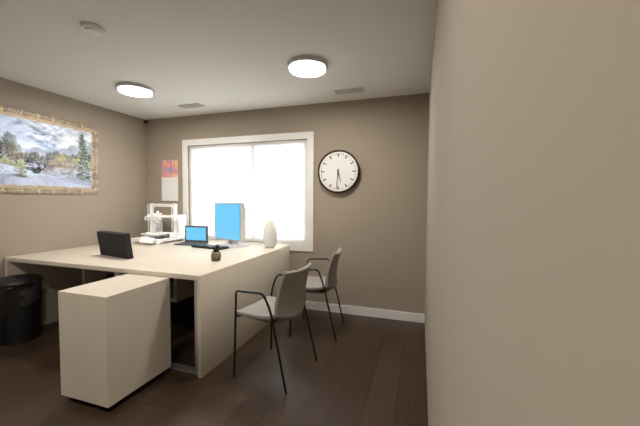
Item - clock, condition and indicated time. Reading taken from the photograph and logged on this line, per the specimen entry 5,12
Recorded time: 5,31
